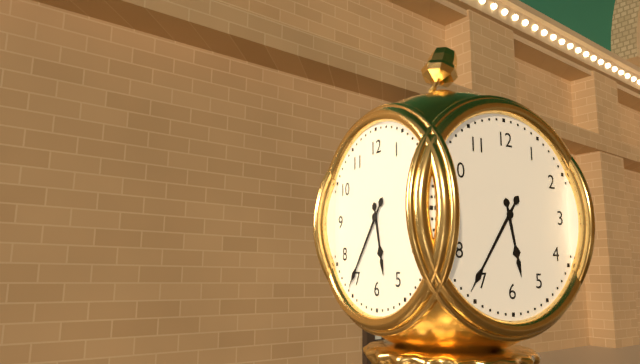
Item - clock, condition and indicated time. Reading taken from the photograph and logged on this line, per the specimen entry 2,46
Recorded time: 5,36
